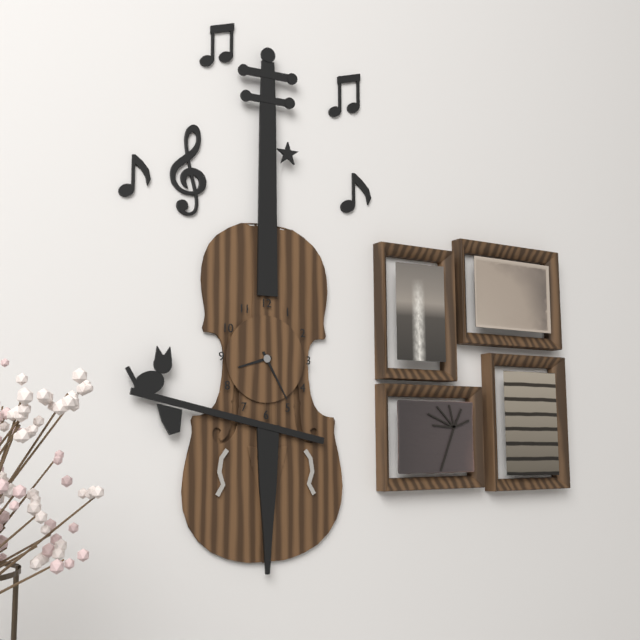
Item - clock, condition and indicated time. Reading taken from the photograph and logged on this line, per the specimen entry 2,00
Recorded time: 8,25
